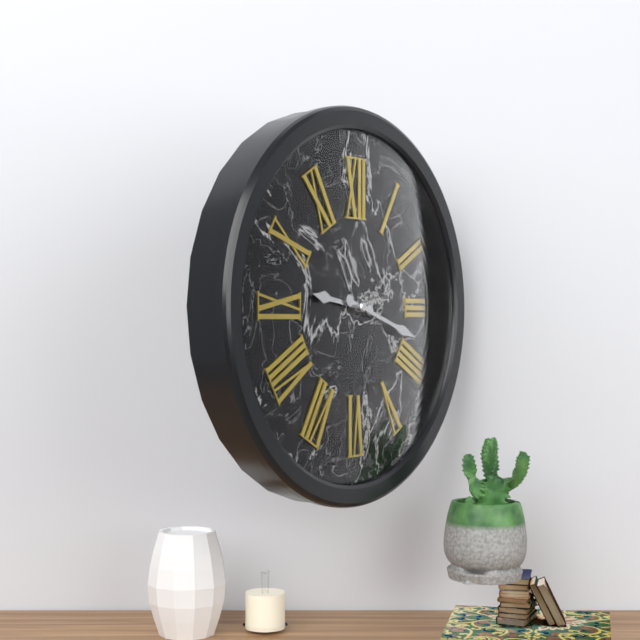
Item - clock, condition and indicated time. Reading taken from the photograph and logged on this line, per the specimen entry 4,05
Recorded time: 9,18
